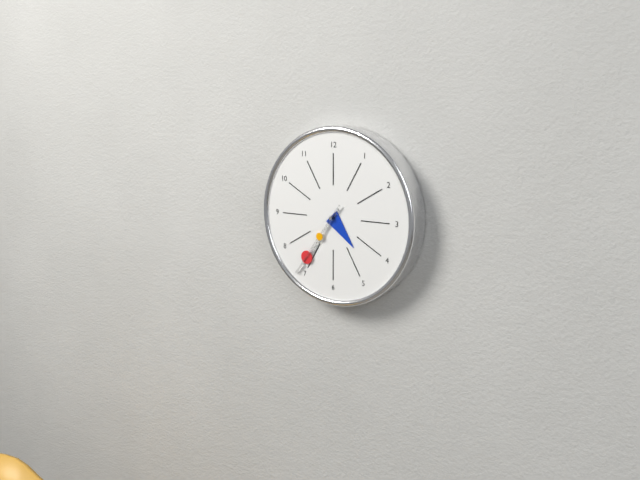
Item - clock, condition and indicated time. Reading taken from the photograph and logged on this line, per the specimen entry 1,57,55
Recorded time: 4,36,36
